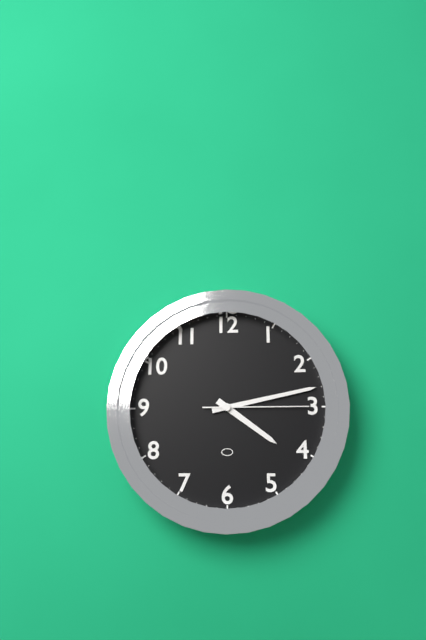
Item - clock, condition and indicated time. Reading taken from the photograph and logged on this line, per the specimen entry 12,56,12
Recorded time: 4,13,15
